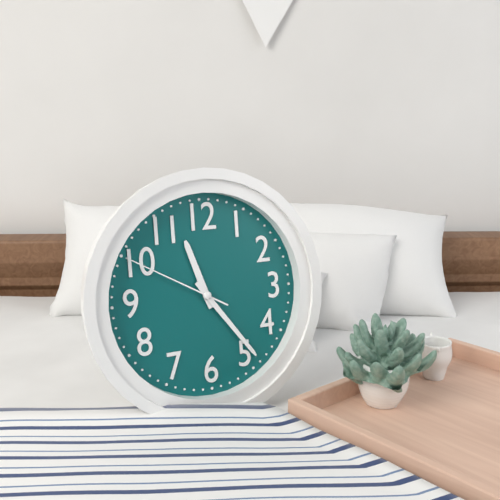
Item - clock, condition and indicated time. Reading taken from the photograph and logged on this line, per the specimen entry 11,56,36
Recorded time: 11,24,50
